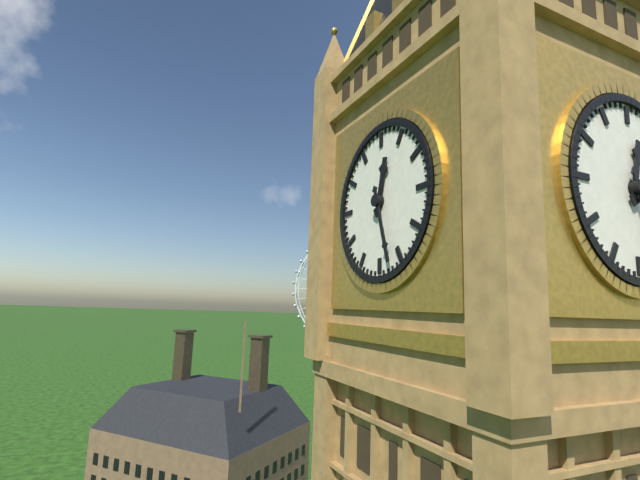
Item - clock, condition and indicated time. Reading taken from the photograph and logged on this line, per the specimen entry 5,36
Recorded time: 12,27
